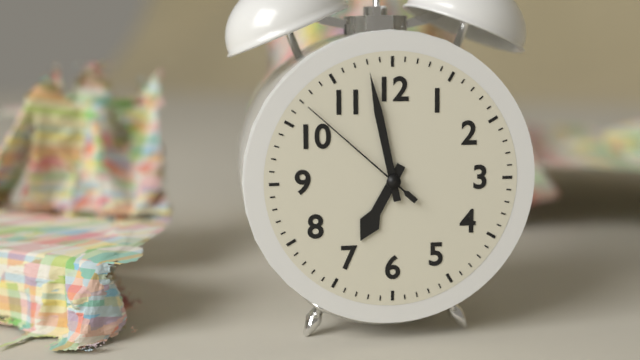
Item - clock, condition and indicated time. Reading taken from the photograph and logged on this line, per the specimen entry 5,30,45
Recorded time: 6,58,52
